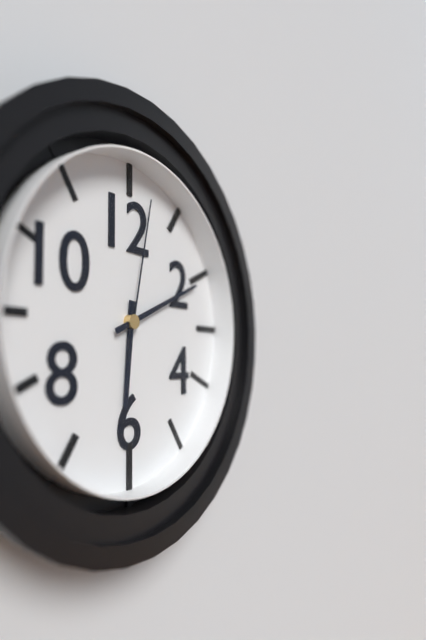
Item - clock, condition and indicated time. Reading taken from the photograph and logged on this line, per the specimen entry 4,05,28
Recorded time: 6,11,02
